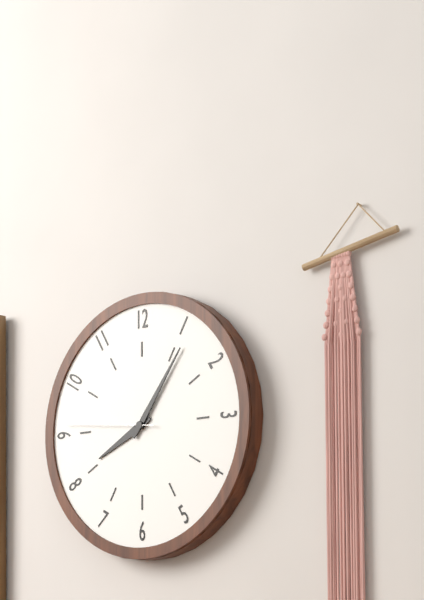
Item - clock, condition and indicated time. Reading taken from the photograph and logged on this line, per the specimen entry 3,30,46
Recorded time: 8,06,46
